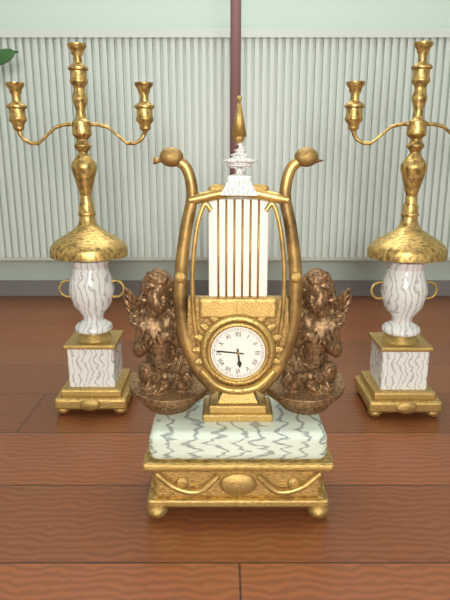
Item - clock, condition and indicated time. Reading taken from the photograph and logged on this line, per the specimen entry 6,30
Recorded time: 5,46
